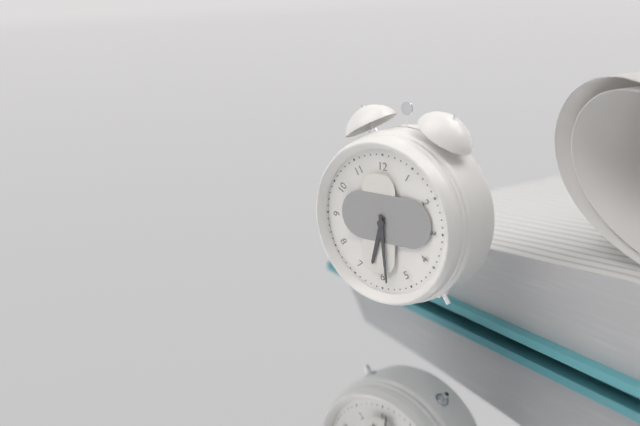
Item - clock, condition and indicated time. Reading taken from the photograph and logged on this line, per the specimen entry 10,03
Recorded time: 6,29
